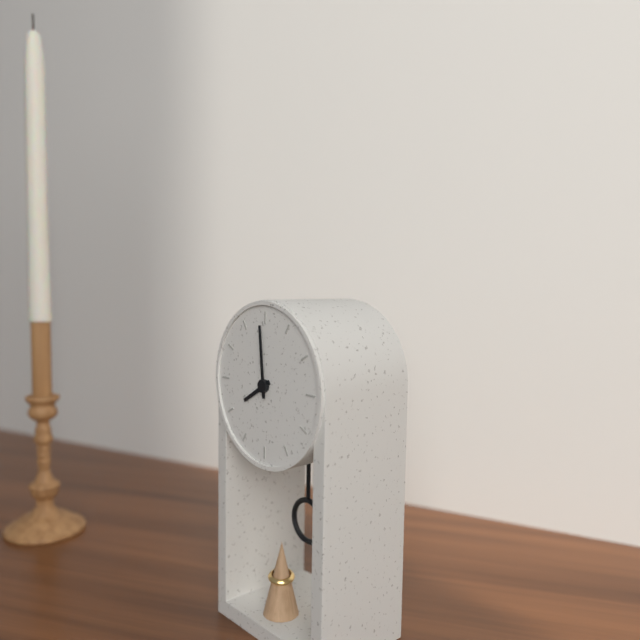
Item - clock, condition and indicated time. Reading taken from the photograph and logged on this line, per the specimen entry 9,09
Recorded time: 7,59
